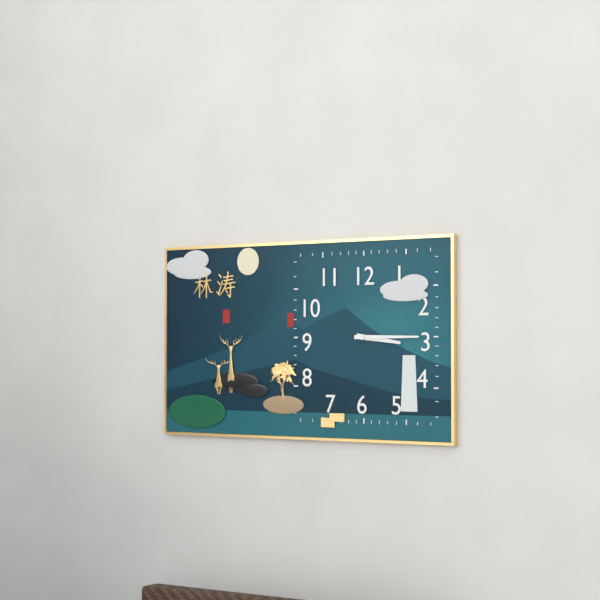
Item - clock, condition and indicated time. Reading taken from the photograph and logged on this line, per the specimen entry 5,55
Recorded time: 3,15
